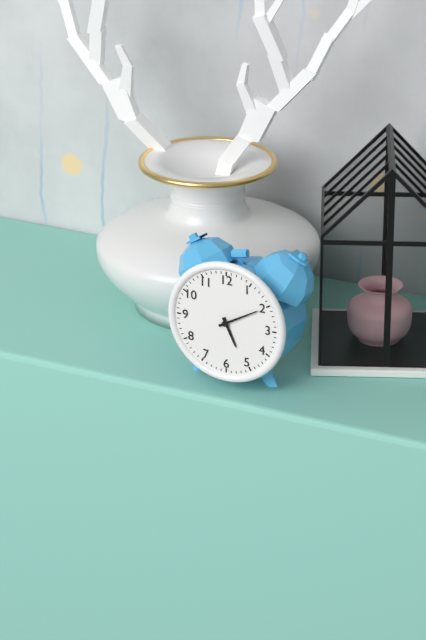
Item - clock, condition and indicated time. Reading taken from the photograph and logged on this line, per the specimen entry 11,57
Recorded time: 5,10
